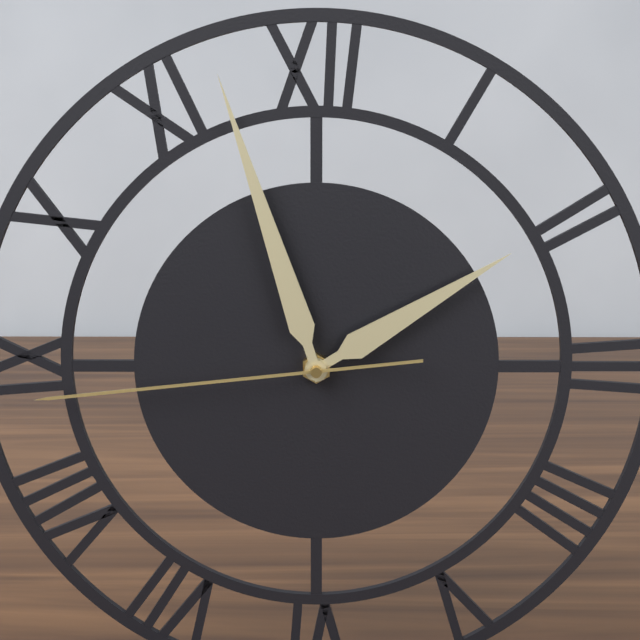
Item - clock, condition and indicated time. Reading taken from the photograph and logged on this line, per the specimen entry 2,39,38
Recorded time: 1,57,44
